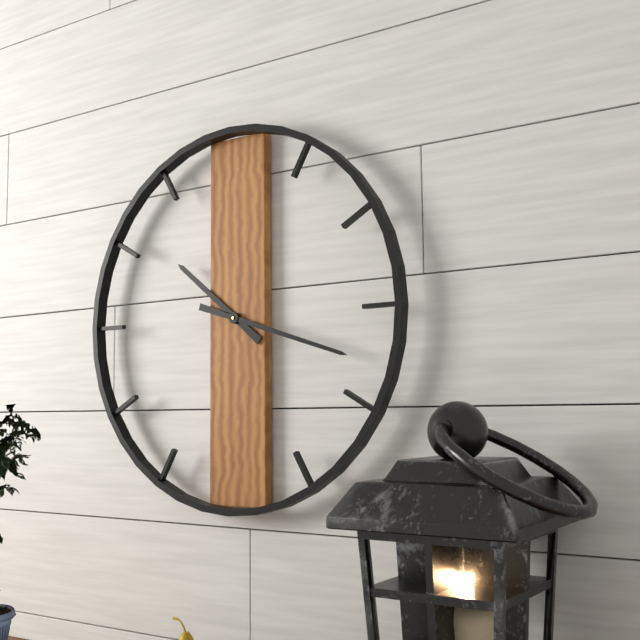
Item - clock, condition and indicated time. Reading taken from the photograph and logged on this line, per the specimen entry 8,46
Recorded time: 10,18
